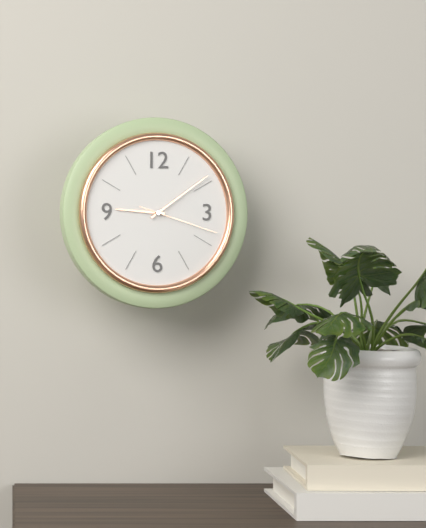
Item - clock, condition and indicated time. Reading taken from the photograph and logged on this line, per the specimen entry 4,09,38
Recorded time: 9,09,18
